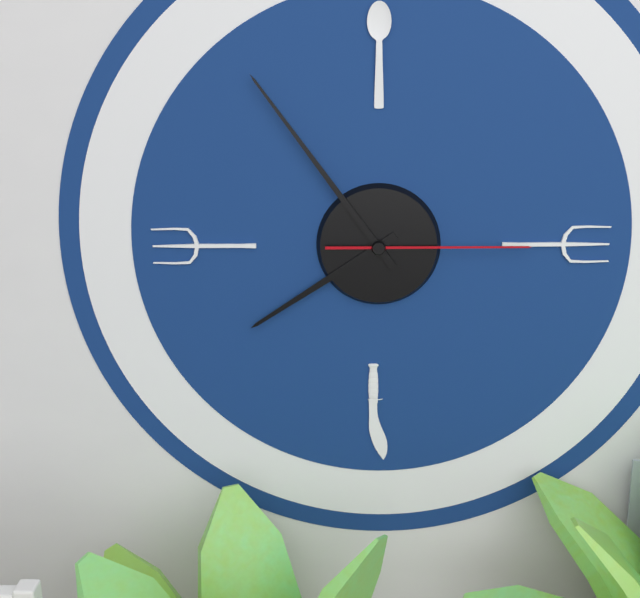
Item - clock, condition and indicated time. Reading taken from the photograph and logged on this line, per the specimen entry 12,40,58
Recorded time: 7,54,15
